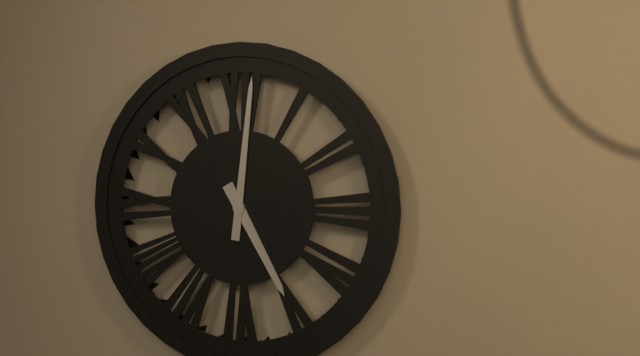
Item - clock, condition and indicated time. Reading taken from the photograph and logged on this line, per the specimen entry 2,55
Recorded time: 5,01
